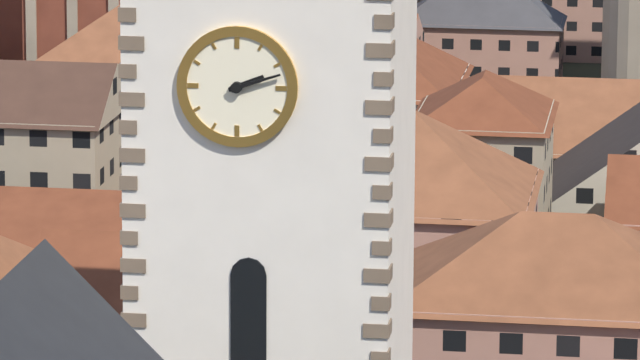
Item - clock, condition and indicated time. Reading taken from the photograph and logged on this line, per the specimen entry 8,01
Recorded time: 2,12
